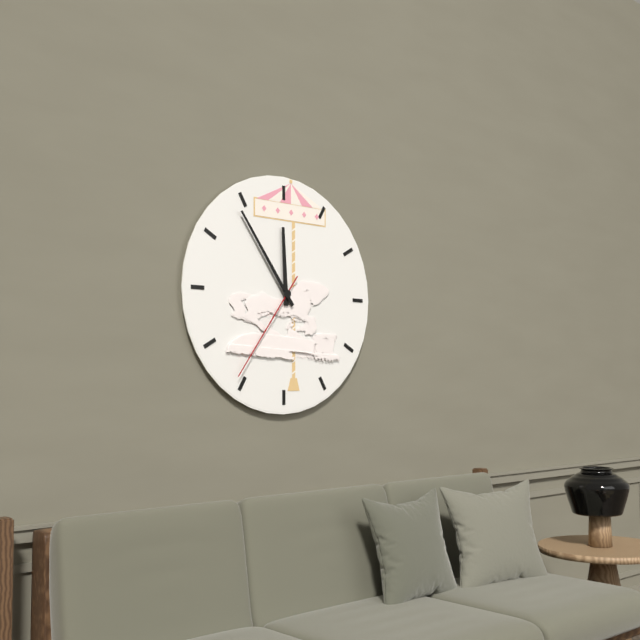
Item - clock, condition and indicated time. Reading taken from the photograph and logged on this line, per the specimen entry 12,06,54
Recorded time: 11,54,36
